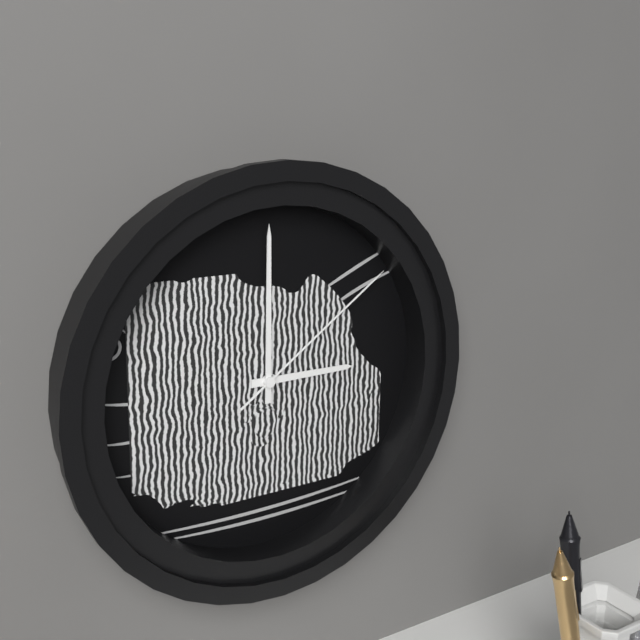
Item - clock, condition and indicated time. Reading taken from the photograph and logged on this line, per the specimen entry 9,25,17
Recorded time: 3,00,09
